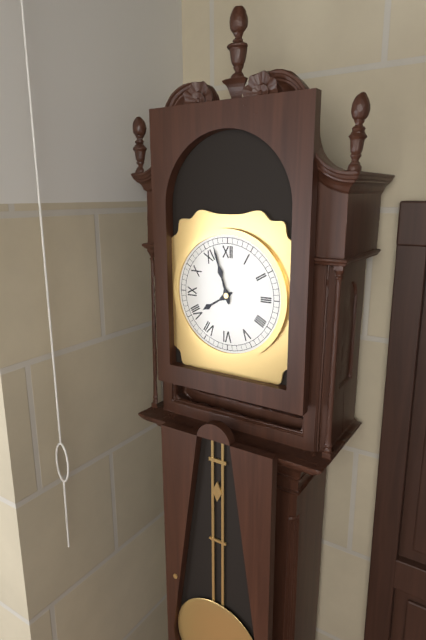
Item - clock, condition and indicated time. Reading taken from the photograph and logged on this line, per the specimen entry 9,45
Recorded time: 7,57
